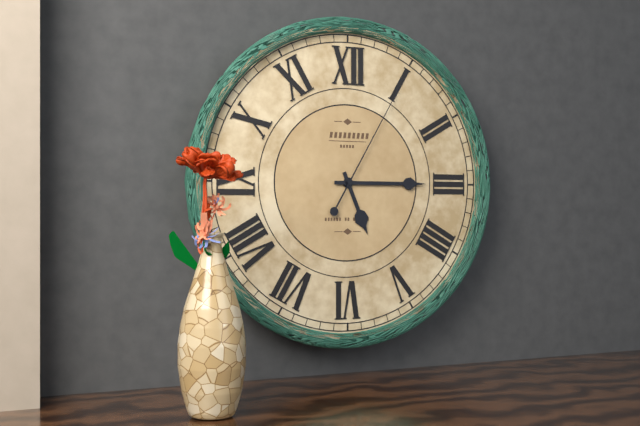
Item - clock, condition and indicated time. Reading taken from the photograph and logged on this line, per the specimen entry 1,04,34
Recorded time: 5,15,05
